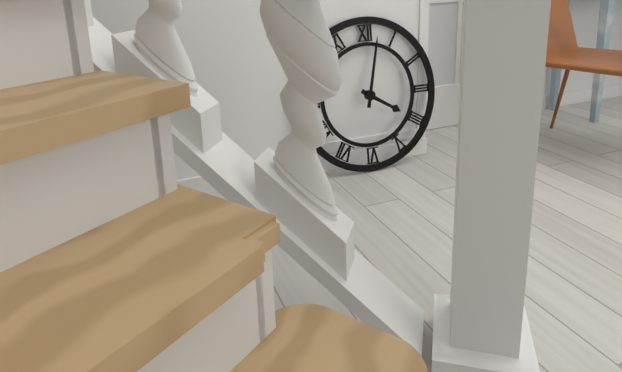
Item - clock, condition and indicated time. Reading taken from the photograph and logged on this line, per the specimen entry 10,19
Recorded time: 4,02
